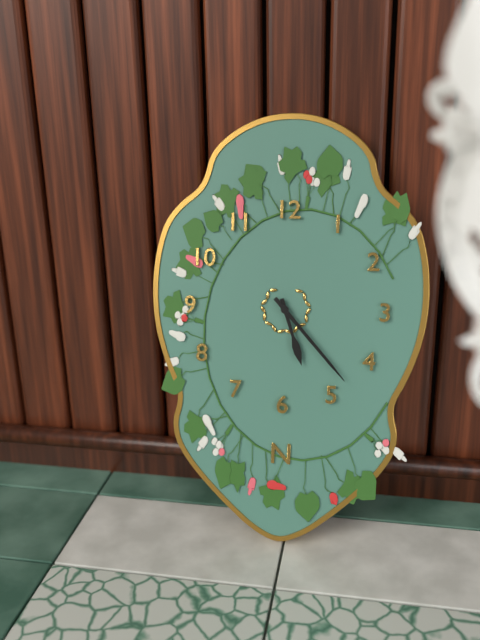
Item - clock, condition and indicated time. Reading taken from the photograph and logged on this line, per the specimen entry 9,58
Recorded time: 5,23
